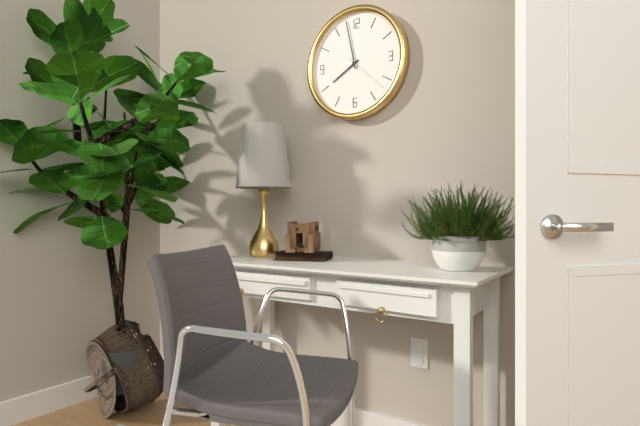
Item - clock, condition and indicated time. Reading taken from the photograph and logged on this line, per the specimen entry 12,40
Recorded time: 7,58
